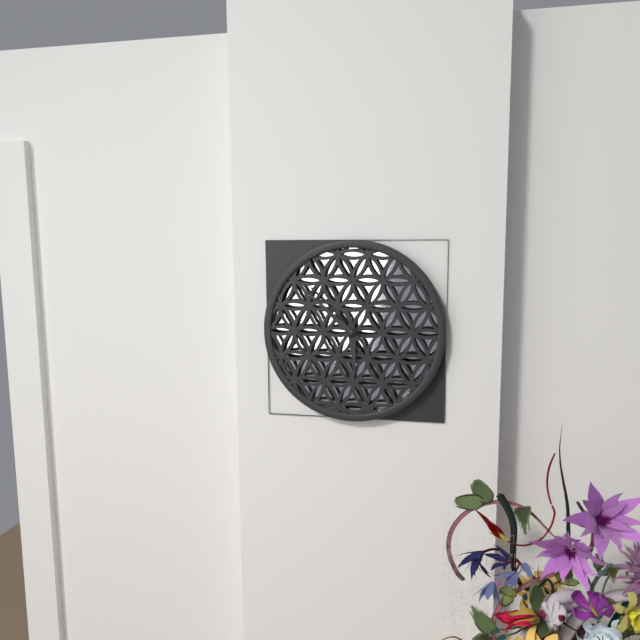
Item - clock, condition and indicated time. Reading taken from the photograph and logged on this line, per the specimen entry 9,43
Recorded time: 5,52
